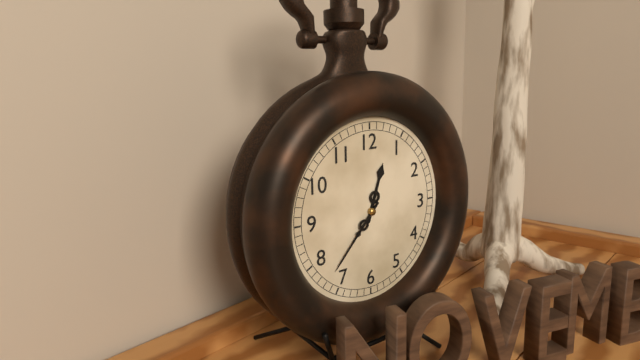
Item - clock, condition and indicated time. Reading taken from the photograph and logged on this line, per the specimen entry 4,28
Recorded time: 12,37
